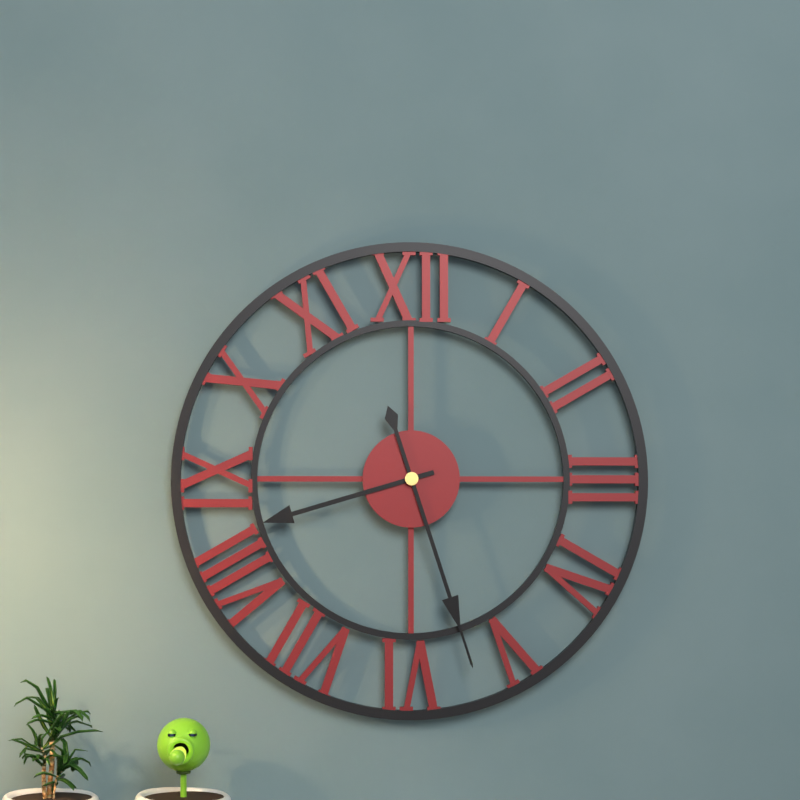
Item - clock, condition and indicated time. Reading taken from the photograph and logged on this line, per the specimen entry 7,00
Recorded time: 8,27
